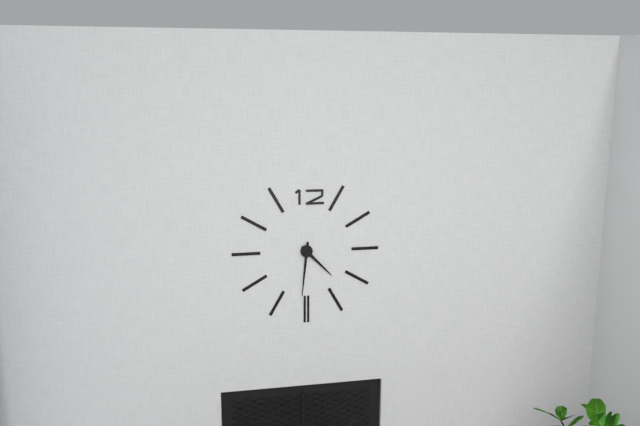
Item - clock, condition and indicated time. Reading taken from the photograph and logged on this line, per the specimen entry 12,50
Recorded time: 4,31
